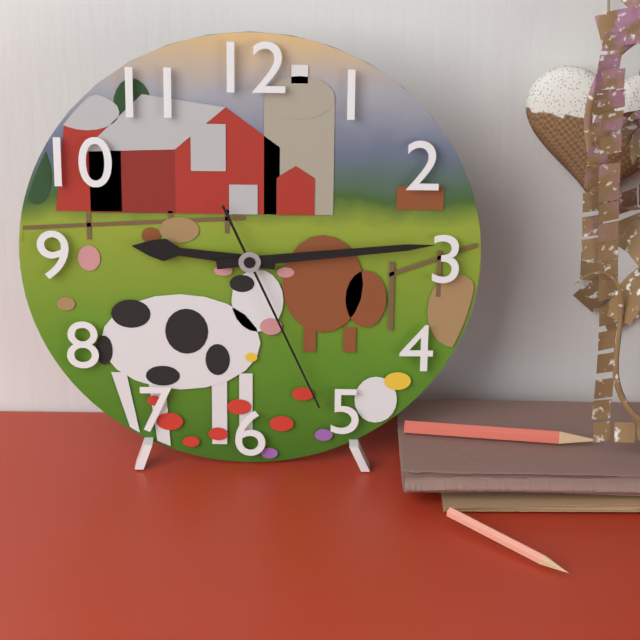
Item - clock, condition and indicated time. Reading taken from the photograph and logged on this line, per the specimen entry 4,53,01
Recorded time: 9,14,26
